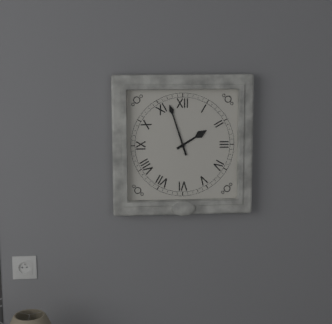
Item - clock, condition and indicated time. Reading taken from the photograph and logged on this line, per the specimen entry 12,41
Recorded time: 1,57
